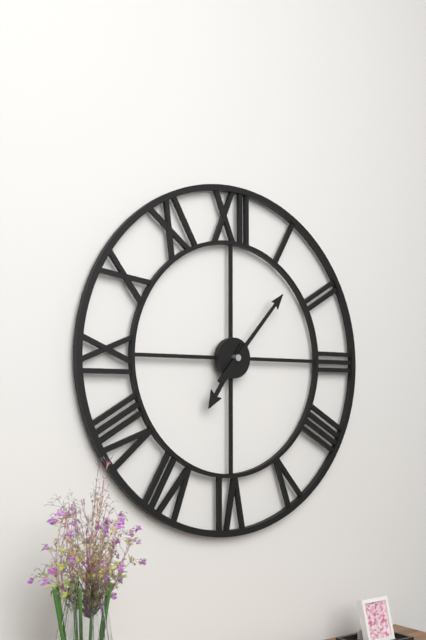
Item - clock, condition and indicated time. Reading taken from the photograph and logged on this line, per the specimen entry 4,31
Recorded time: 7,07
